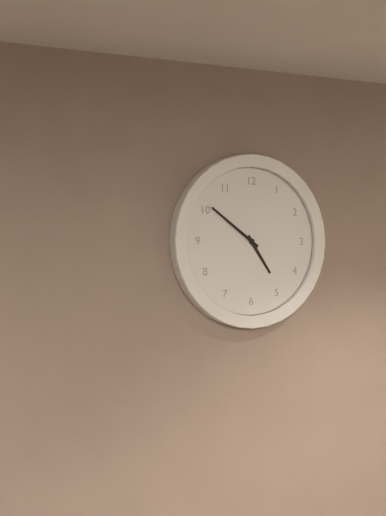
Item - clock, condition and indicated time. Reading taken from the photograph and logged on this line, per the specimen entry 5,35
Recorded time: 4,51
